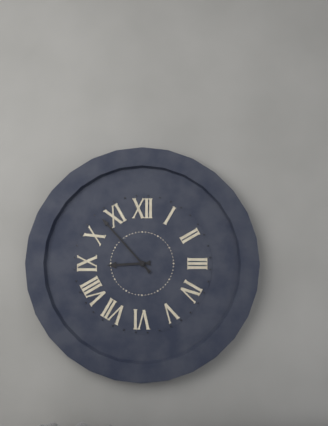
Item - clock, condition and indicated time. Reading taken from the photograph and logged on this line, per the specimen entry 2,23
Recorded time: 8,53
